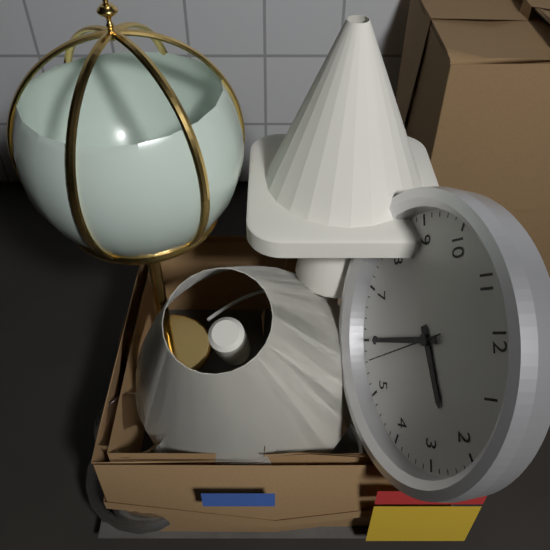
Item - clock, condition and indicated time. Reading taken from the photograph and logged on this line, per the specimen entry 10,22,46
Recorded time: 2,30,28
